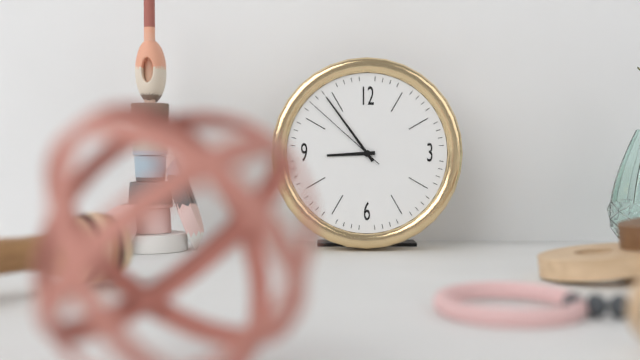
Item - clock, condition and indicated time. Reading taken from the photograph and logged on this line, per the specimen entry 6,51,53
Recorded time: 8,54,52
